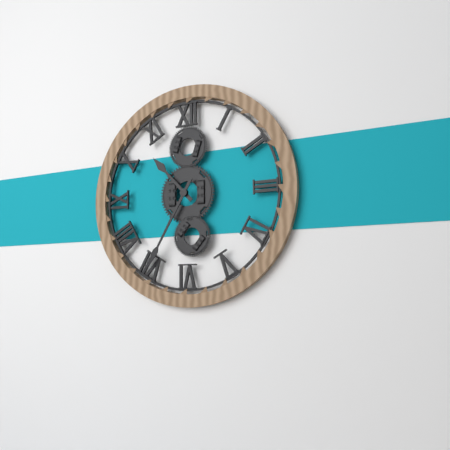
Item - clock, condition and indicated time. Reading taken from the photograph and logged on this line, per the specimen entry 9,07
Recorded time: 10,35
